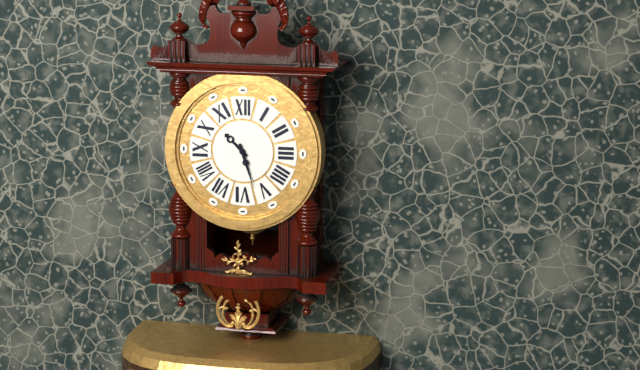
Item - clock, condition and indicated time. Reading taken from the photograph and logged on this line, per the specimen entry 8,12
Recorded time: 10,27
